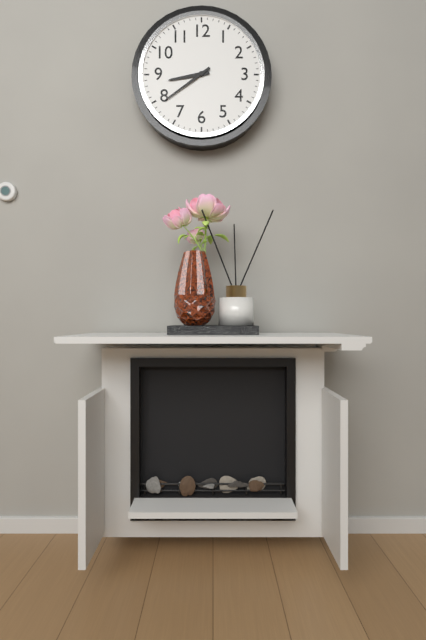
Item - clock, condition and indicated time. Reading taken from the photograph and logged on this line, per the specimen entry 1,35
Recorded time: 8,39
